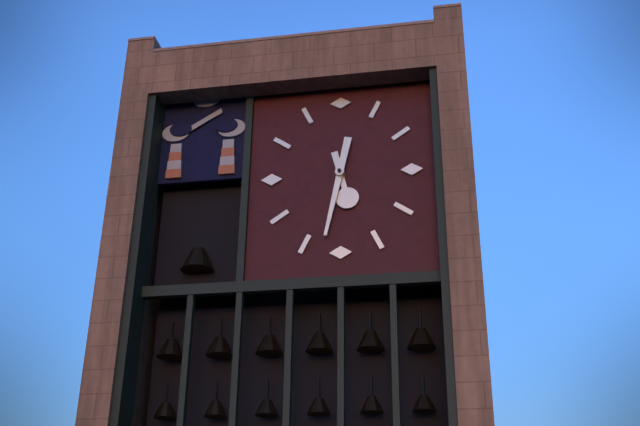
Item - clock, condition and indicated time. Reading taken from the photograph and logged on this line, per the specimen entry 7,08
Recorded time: 5,32
